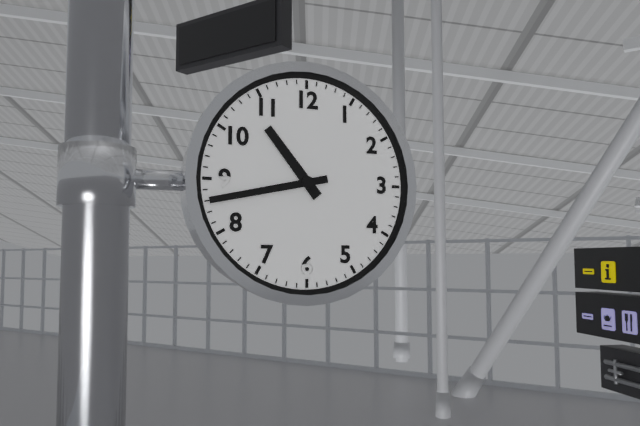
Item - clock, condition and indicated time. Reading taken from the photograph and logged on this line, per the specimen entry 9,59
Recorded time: 10,43
